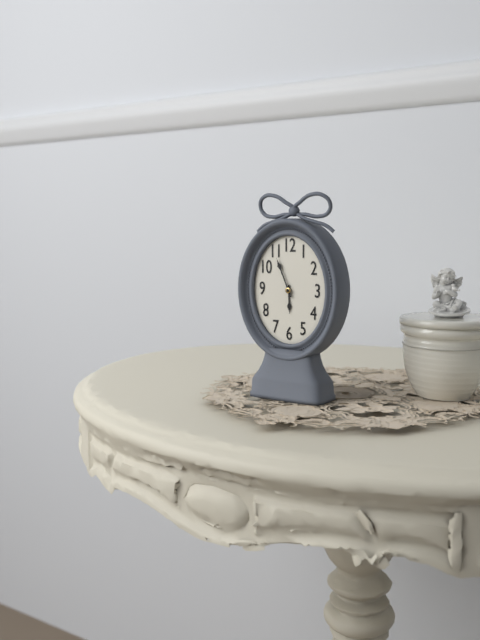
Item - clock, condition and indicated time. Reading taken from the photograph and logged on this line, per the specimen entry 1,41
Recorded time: 5,56
